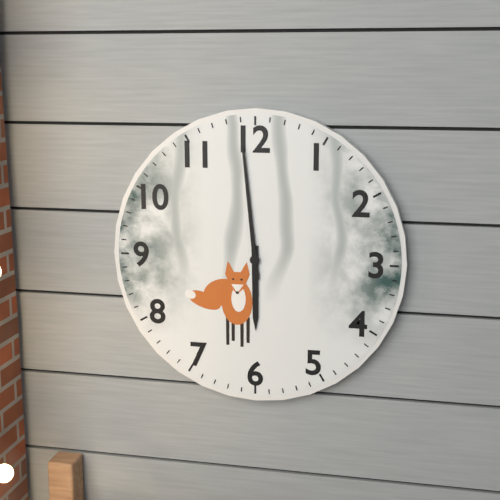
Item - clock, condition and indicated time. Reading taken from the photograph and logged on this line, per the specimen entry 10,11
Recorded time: 5,59
